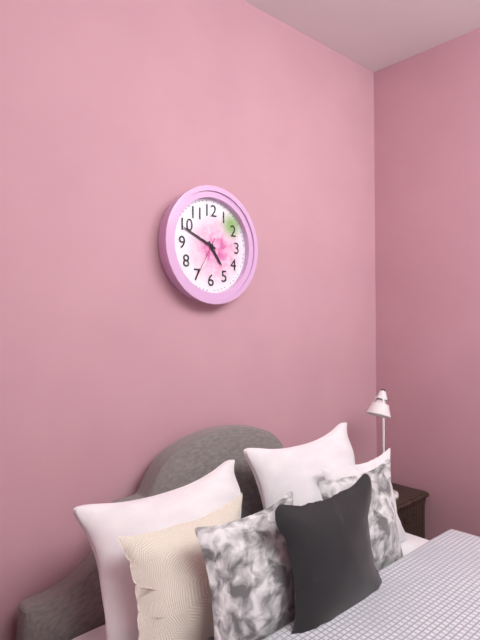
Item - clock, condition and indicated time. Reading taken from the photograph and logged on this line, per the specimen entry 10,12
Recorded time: 4,49
